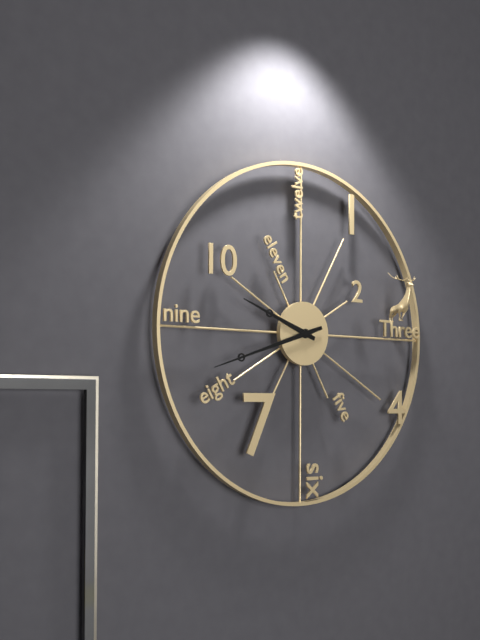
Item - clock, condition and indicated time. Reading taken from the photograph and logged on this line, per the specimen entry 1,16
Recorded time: 9,42
